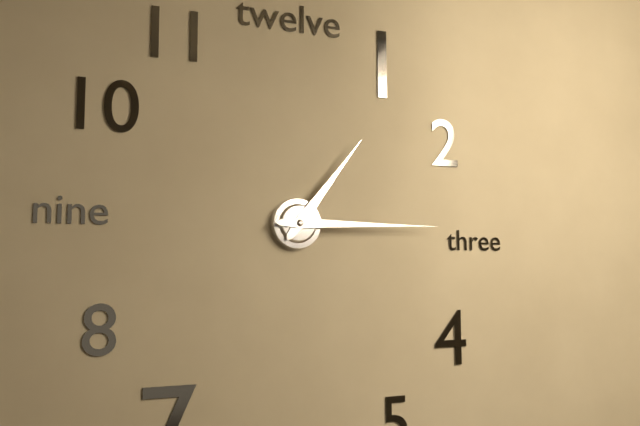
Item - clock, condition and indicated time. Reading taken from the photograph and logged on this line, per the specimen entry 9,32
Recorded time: 1,15
